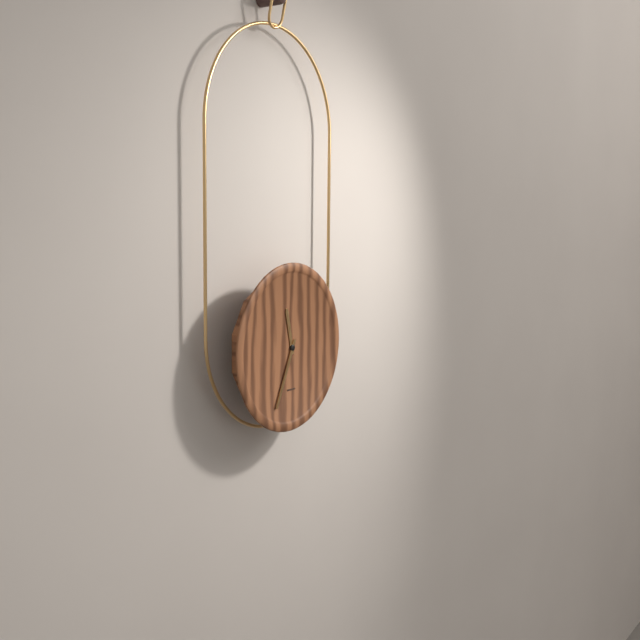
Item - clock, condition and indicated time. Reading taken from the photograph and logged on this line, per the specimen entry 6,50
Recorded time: 11,34
